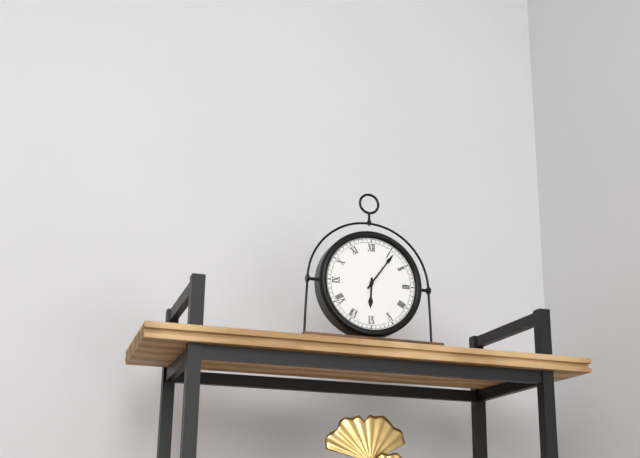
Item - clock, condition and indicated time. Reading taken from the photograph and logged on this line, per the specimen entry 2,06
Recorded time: 6,06
